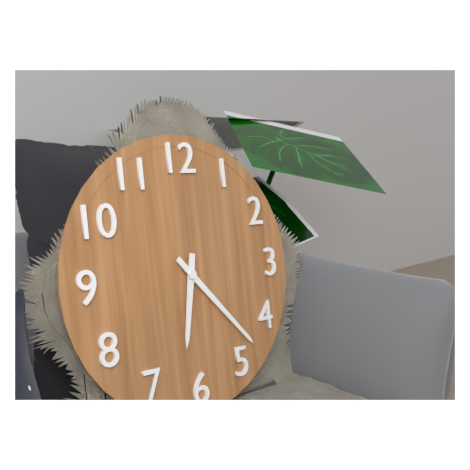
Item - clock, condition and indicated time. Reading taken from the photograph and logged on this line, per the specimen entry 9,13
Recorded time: 6,23
